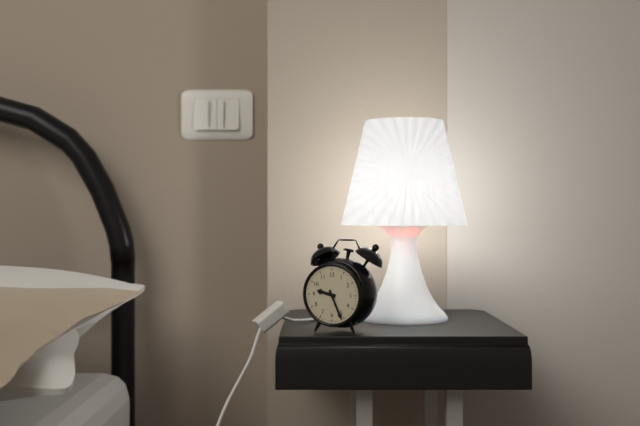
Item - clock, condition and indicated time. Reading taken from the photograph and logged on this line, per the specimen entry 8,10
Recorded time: 9,26
